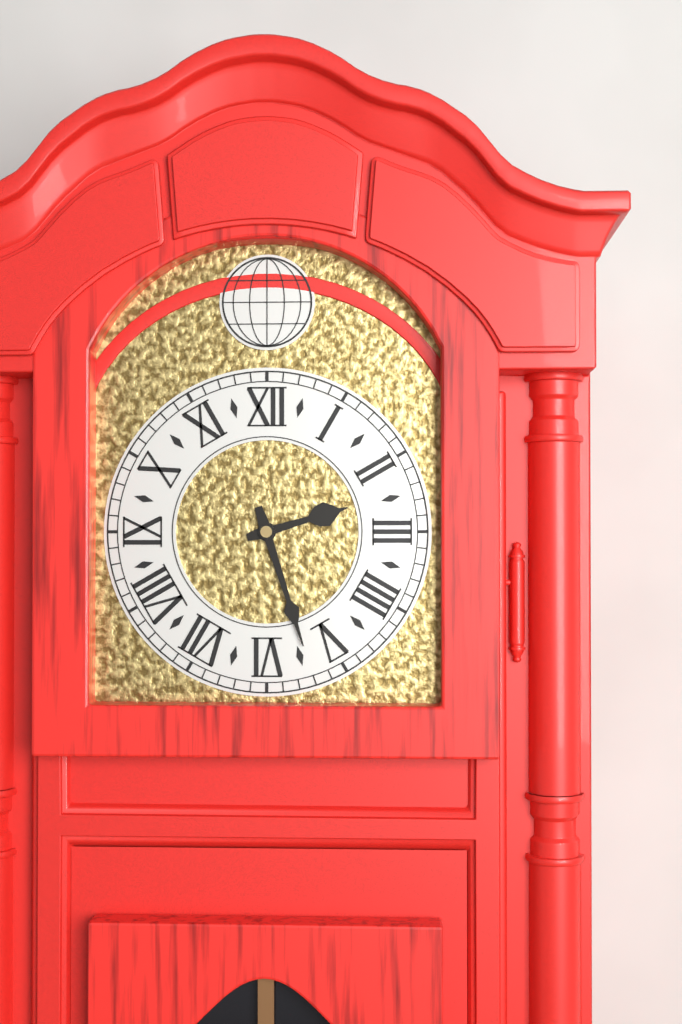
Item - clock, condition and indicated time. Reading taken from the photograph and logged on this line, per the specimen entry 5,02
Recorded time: 2,27
